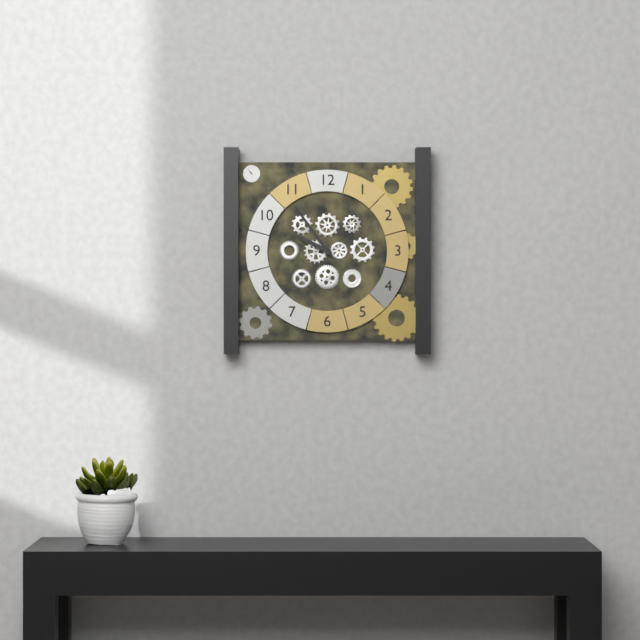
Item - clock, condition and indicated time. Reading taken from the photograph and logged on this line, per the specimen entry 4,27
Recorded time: 9,54
